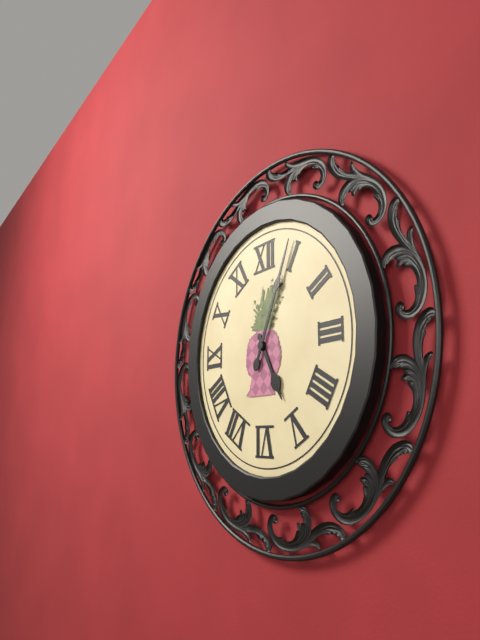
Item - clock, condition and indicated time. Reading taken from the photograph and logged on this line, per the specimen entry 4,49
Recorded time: 5,04
